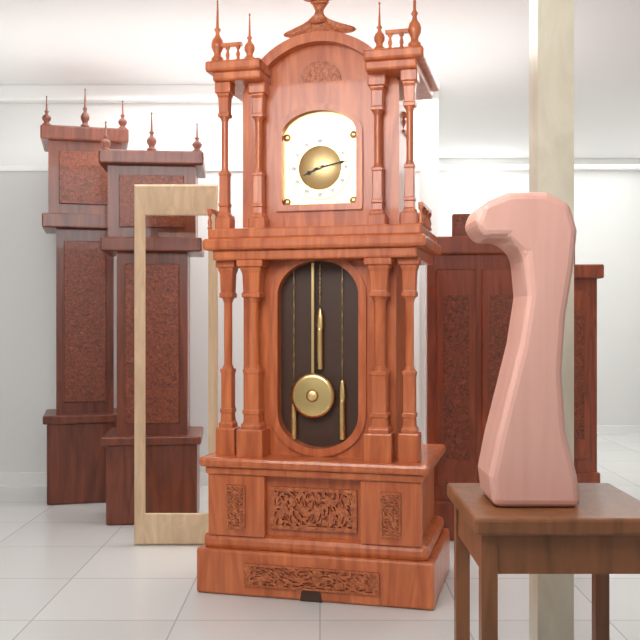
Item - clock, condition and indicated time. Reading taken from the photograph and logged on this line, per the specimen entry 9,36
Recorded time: 8,13
